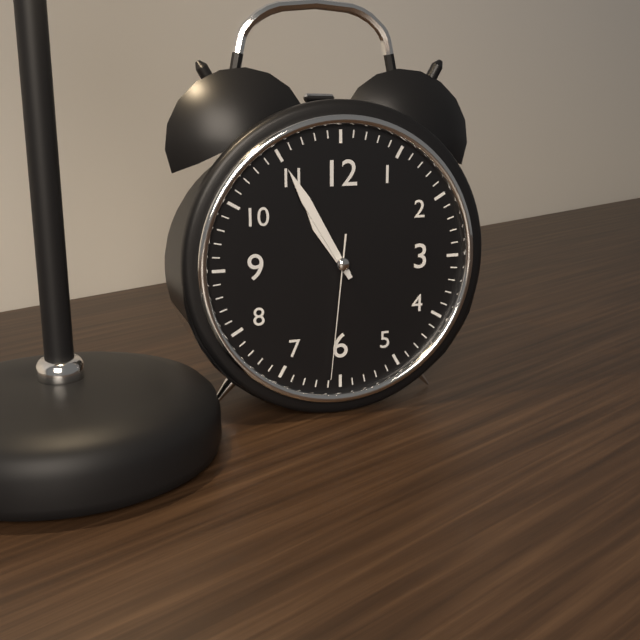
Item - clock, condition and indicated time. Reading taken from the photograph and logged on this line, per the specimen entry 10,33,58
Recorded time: 10,55,31
